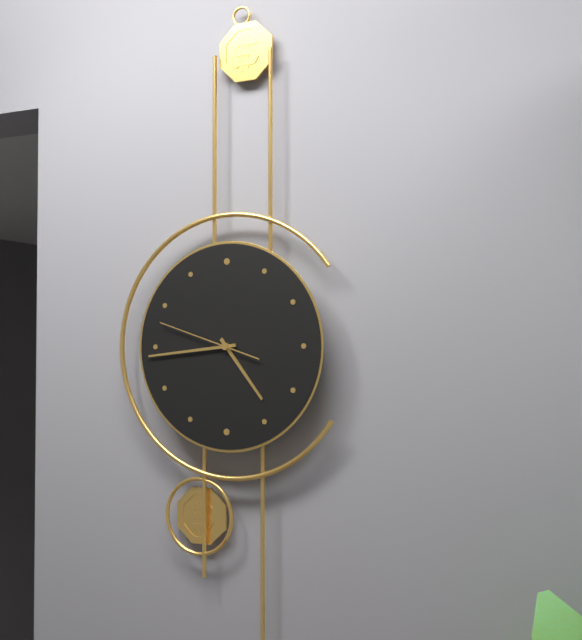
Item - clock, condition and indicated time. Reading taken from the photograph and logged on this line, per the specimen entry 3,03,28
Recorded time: 4,44,48
